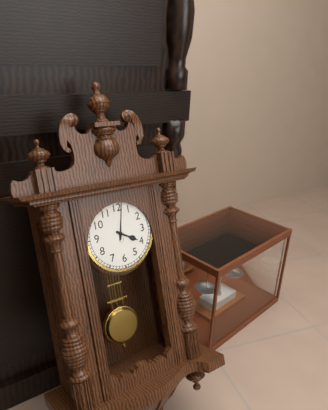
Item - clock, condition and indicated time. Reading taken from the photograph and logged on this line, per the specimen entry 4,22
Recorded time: 4,02
